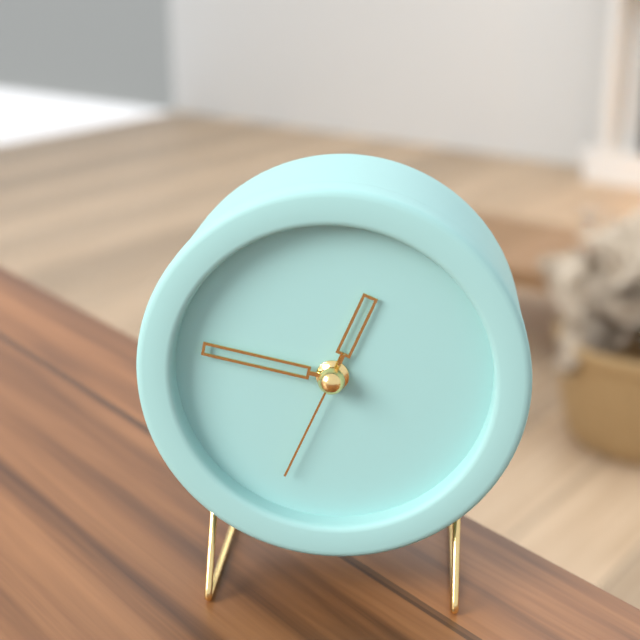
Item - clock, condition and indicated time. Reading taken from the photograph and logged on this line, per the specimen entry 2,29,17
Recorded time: 12,47,34
